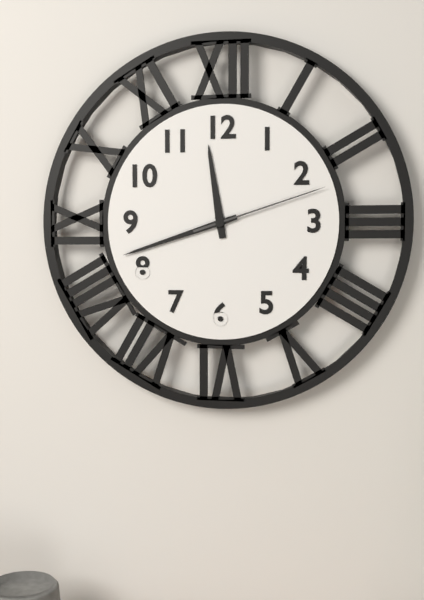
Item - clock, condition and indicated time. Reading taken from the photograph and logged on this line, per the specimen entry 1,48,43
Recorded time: 11,42,12
